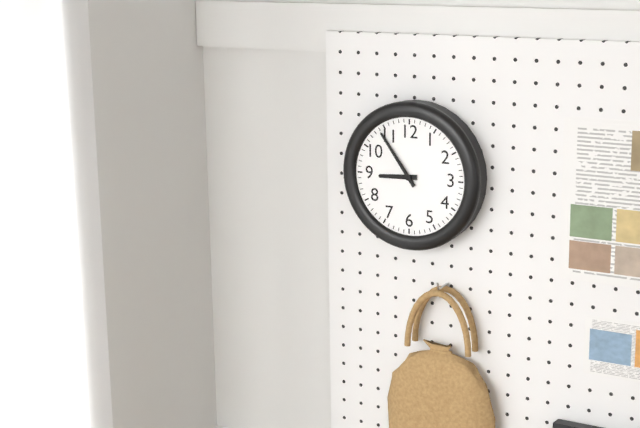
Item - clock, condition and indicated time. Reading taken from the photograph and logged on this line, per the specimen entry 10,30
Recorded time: 8,54
